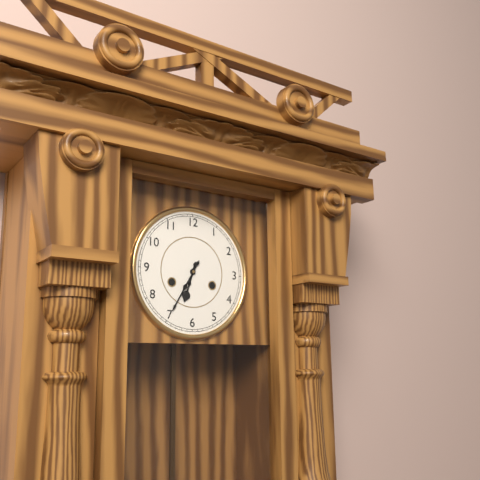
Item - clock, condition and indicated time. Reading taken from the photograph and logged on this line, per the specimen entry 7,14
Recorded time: 6,35
